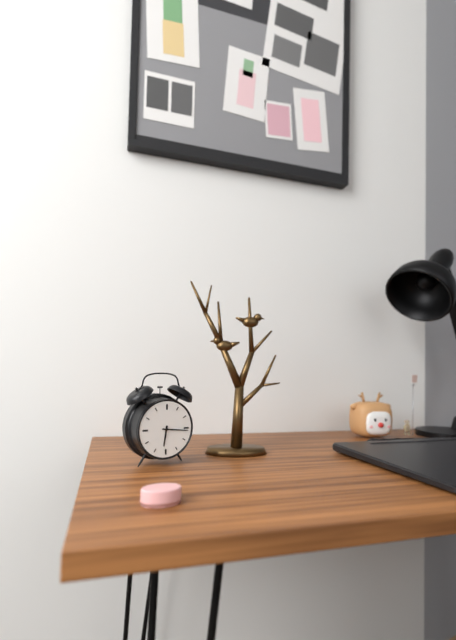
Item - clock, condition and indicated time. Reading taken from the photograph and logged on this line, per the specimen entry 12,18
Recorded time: 6,16
